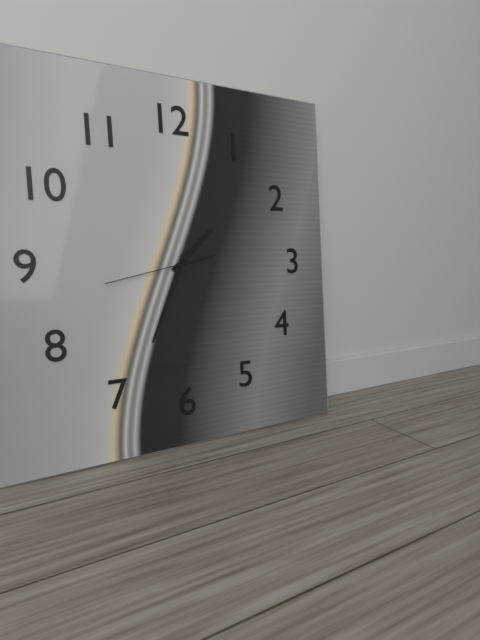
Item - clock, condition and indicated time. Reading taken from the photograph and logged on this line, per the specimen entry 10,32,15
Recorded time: 1,34,43
